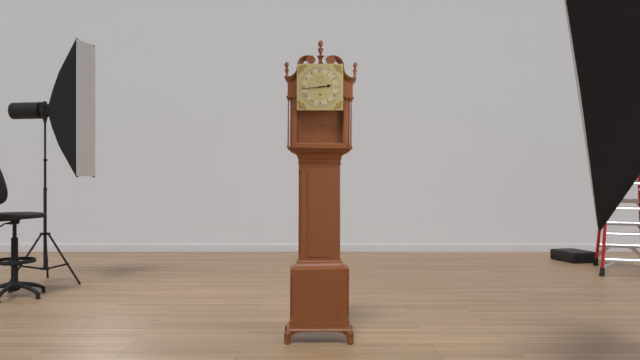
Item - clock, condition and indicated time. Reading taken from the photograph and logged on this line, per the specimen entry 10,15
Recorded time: 2,44
